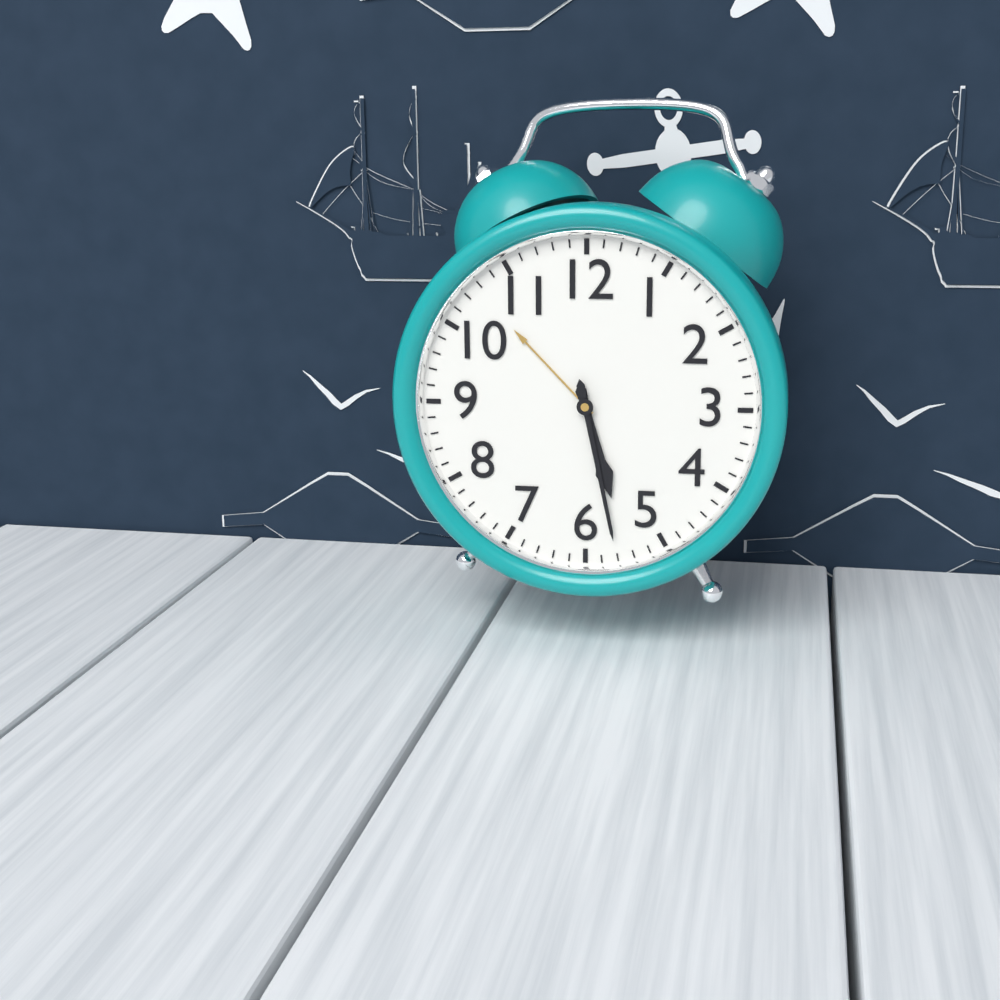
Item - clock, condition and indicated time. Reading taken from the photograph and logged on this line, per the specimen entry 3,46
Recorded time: 5,28
